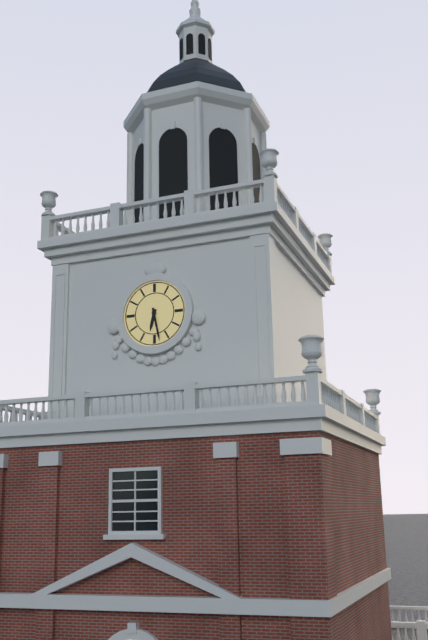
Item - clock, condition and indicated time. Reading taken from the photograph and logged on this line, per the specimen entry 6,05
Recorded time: 6,28
